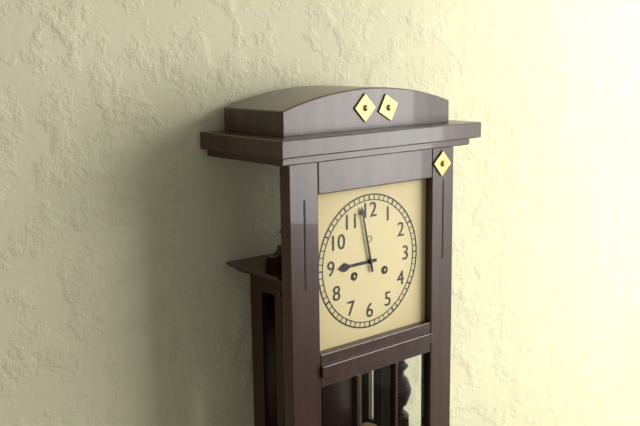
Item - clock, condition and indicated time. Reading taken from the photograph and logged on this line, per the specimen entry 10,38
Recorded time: 8,58
